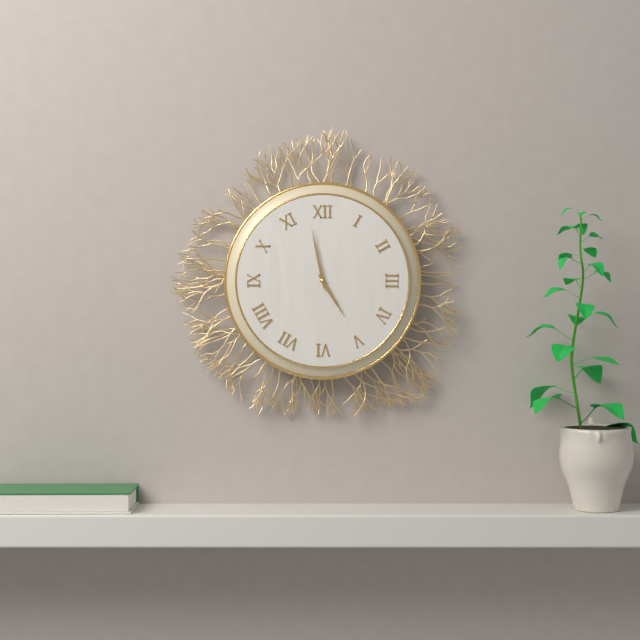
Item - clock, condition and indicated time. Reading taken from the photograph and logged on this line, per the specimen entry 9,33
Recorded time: 4,58
